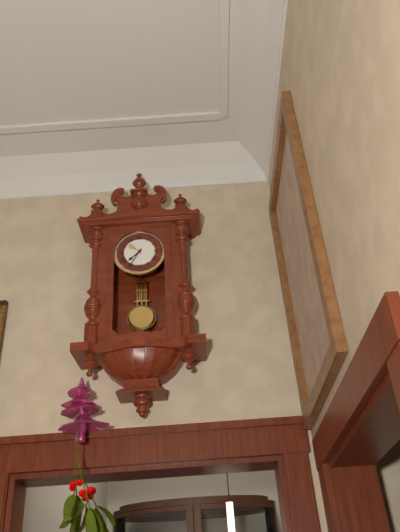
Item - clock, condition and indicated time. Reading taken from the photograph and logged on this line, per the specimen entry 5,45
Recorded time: 7,35
